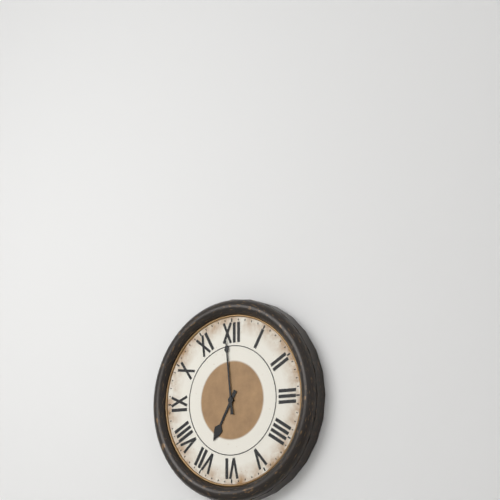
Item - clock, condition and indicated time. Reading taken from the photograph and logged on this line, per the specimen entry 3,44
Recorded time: 6,59
